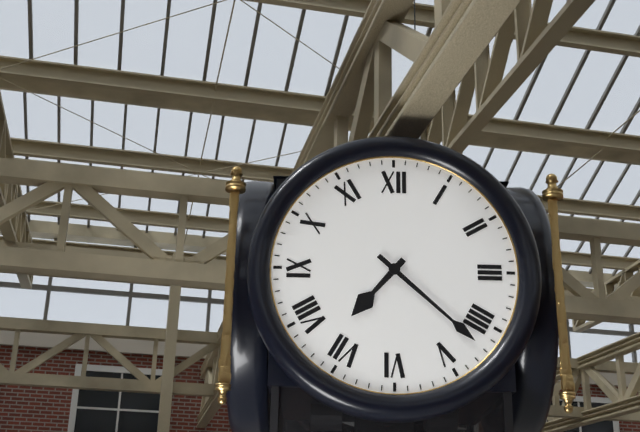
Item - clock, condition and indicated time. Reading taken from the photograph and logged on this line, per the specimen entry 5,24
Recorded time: 7,22
